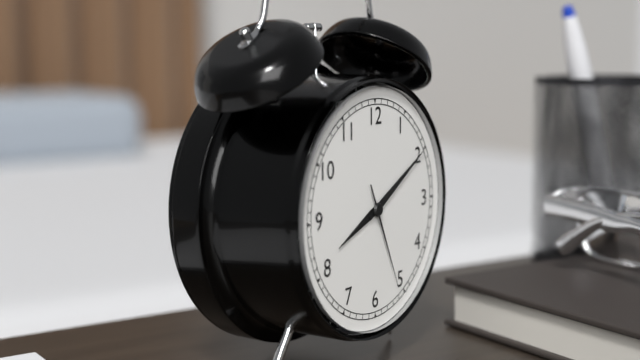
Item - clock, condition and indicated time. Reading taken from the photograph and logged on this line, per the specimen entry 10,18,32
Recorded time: 8,10,26
